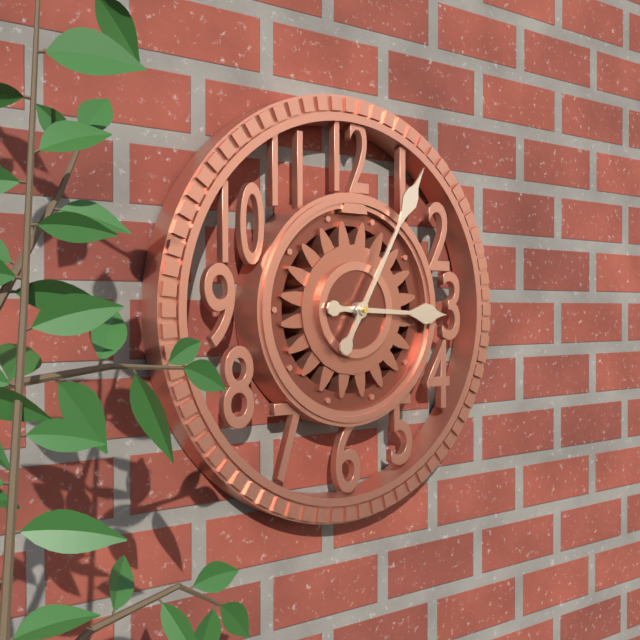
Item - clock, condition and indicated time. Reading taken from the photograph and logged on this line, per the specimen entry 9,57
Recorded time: 3,05
